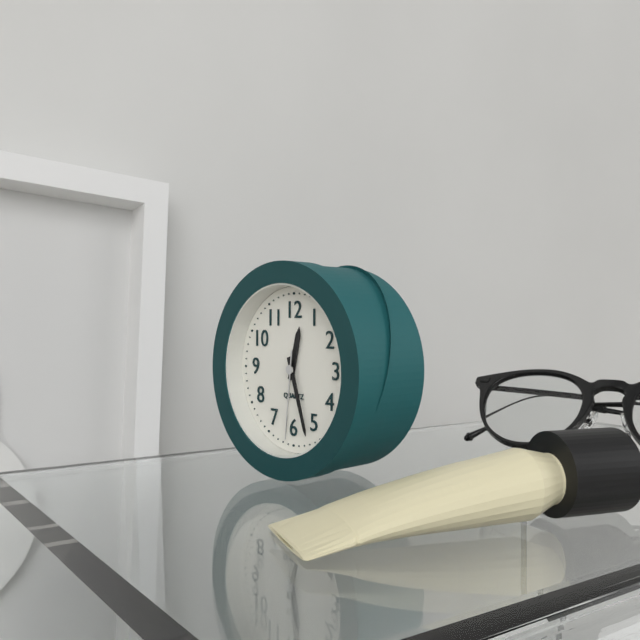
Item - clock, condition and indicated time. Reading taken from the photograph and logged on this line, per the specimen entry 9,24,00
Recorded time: 12,27,31
